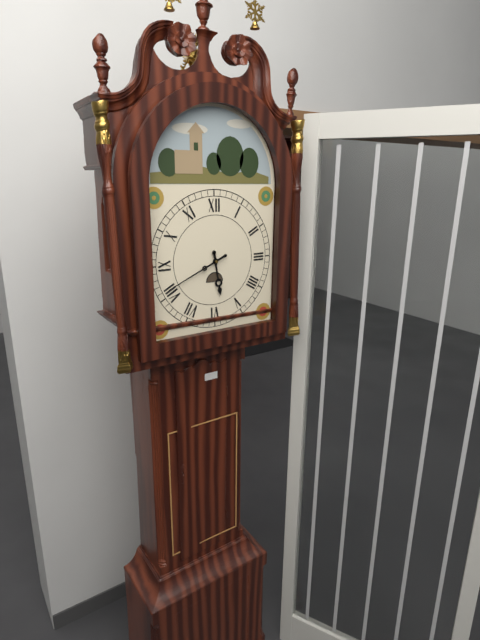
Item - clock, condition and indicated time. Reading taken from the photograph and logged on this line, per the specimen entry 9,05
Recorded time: 5,41
